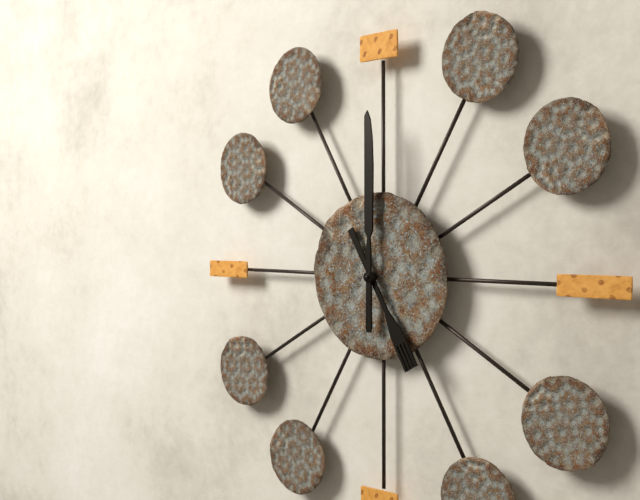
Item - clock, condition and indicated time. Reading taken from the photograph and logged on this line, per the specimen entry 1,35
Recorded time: 5,00
